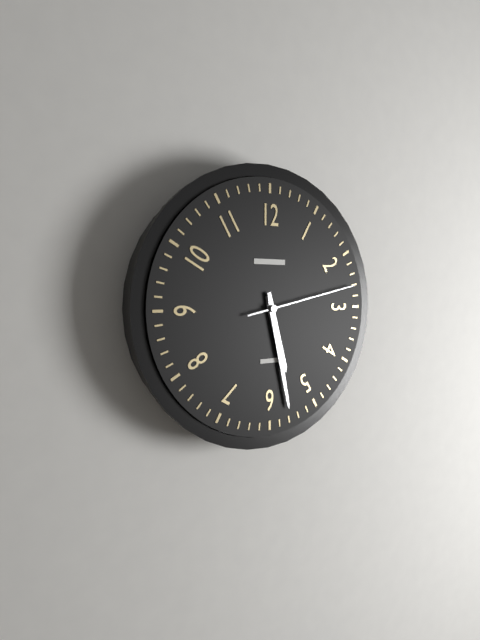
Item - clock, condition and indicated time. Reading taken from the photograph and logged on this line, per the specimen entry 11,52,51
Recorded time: 5,28,13
